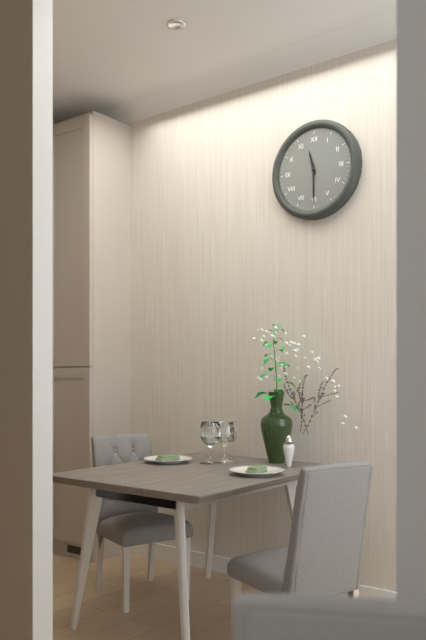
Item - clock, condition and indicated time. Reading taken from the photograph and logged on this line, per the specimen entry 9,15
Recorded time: 11,30
